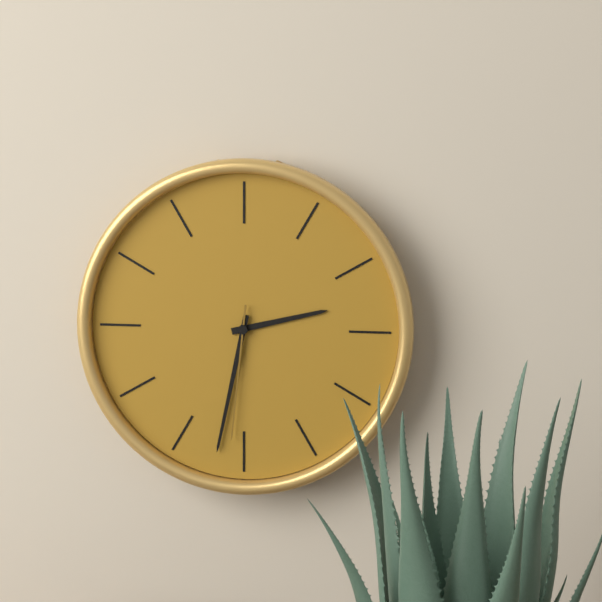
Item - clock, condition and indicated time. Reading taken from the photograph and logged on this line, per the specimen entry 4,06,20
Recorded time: 2,32,31
